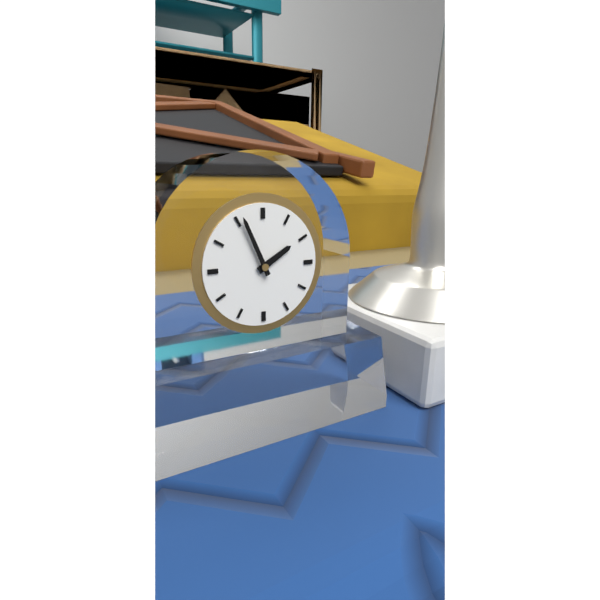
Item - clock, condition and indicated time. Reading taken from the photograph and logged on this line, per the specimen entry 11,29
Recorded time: 1,56
